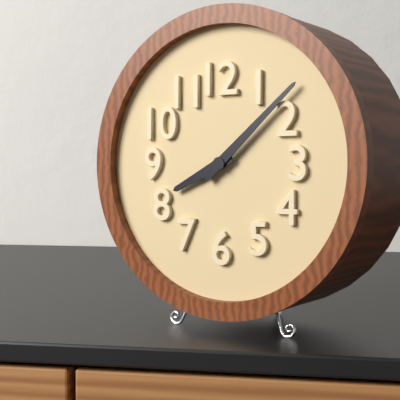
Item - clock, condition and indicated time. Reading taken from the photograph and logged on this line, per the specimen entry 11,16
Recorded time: 8,08
